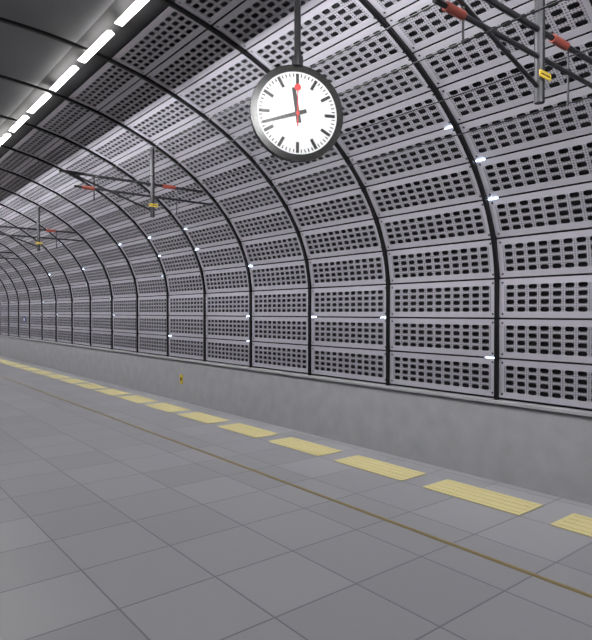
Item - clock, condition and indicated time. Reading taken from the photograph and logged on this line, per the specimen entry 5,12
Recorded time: 11,42
